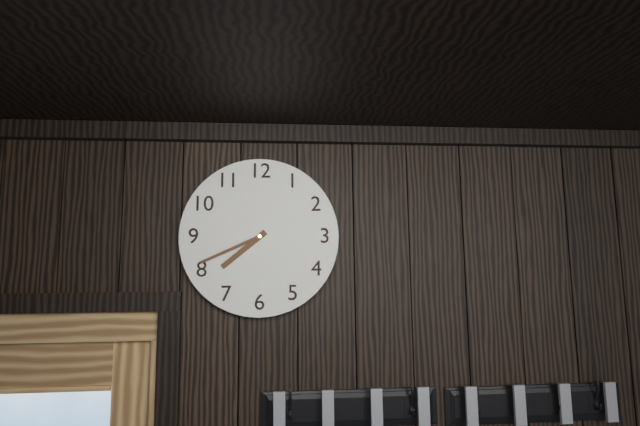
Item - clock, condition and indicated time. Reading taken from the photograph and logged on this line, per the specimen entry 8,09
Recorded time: 7,41
